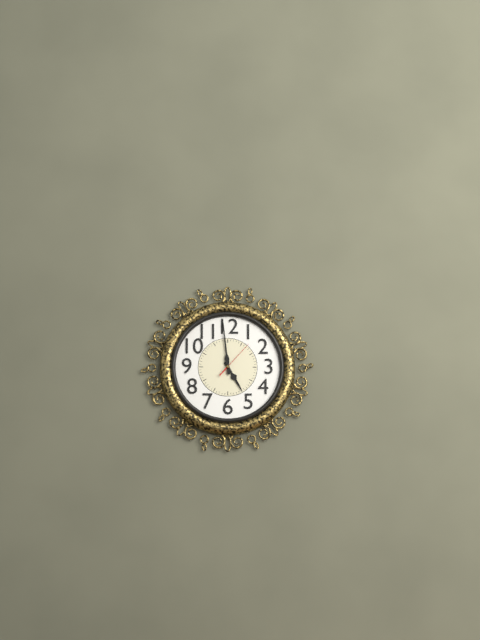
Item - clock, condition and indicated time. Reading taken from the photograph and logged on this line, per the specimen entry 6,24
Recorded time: 4,59
